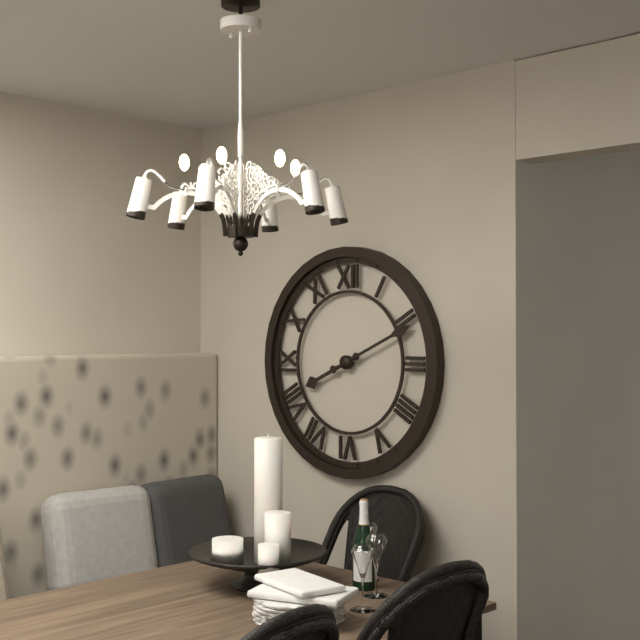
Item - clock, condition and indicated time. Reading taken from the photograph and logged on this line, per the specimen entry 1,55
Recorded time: 8,11
